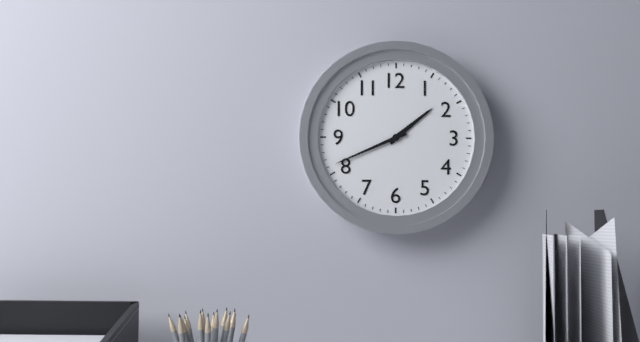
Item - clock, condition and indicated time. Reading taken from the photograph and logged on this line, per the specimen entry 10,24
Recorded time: 1,41
